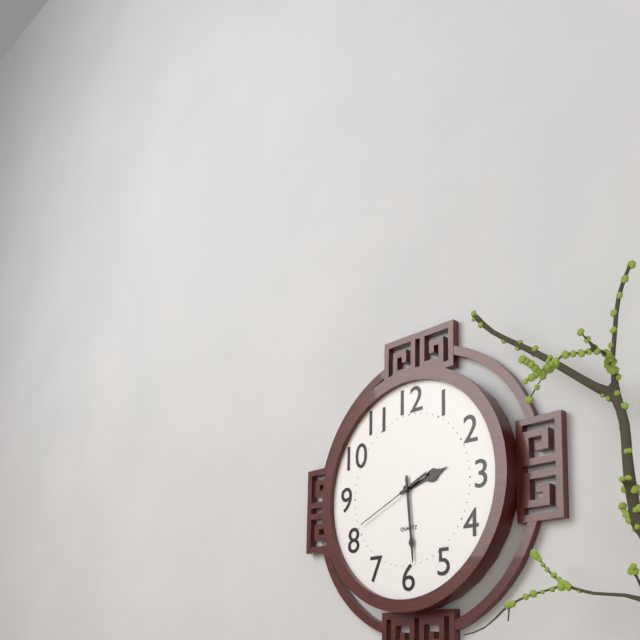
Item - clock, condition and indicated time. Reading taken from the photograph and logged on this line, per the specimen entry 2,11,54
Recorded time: 2,29,41
